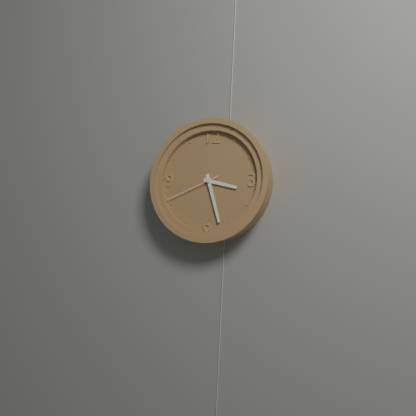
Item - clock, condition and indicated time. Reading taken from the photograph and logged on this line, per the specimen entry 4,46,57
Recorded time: 3,27,41
